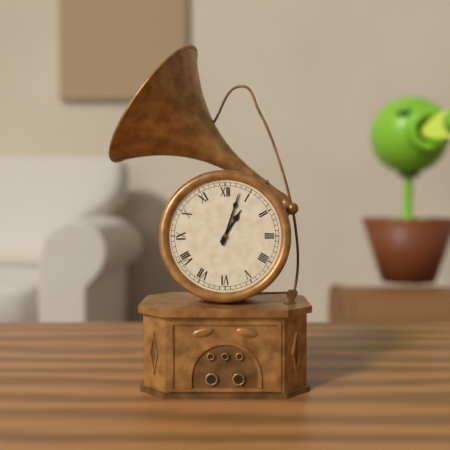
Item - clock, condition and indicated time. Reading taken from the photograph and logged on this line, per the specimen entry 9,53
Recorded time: 1,03
